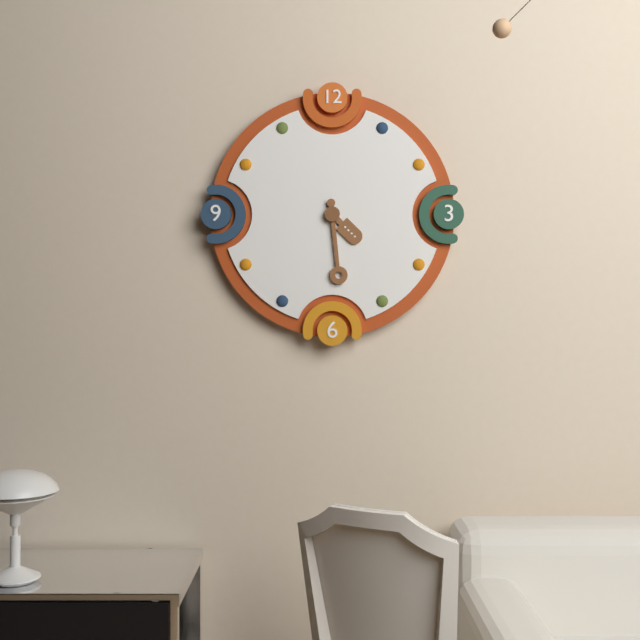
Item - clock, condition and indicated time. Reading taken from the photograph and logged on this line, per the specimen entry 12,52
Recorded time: 4,29
